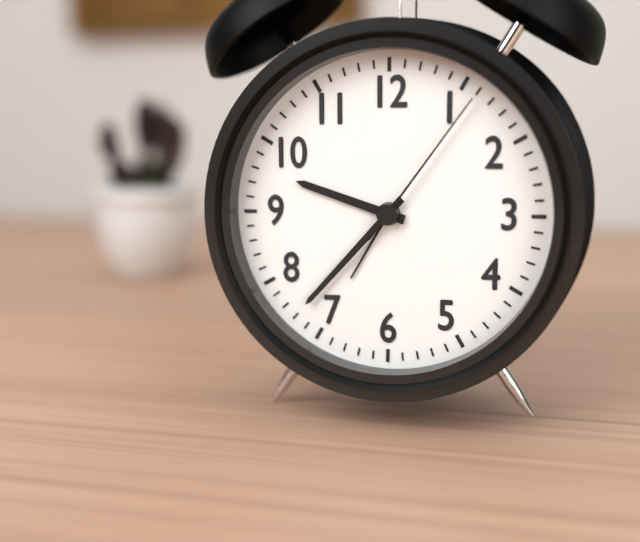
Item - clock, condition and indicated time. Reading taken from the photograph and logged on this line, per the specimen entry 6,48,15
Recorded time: 9,37,06
